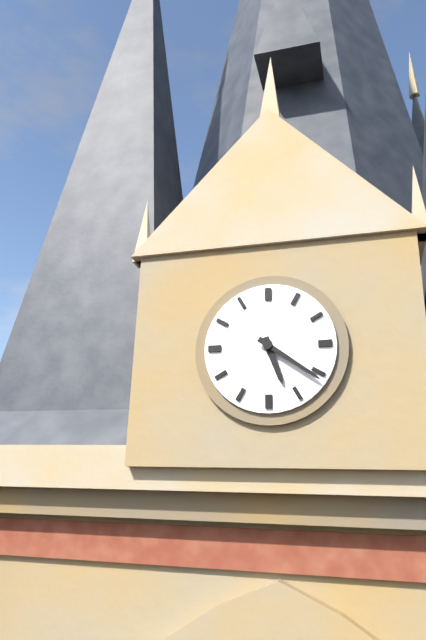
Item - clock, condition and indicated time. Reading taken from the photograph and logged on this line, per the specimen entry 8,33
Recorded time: 5,21
